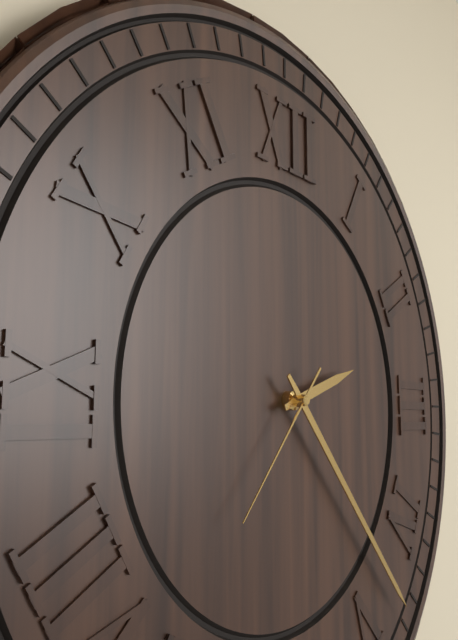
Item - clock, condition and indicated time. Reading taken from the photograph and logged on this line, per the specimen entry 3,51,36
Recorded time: 2,23,37
